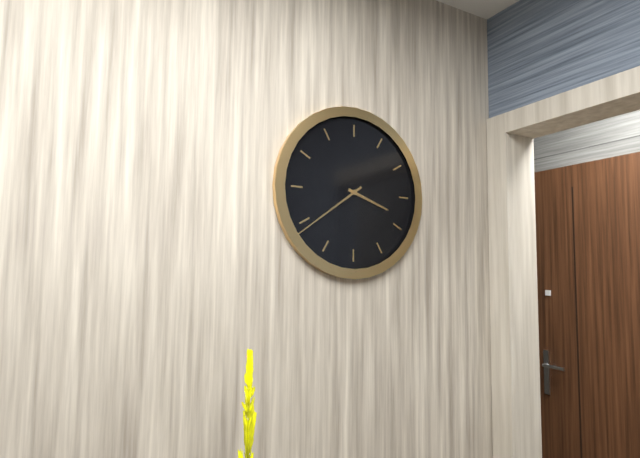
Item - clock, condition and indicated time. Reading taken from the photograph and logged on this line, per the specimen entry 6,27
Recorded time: 3,39
